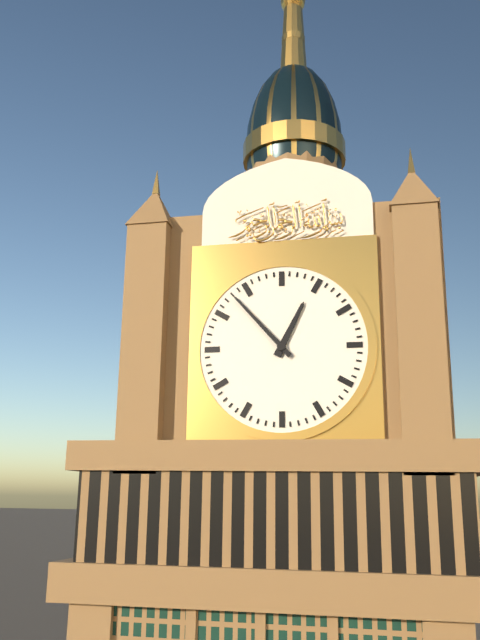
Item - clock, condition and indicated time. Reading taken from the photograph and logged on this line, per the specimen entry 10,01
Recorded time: 12,53
